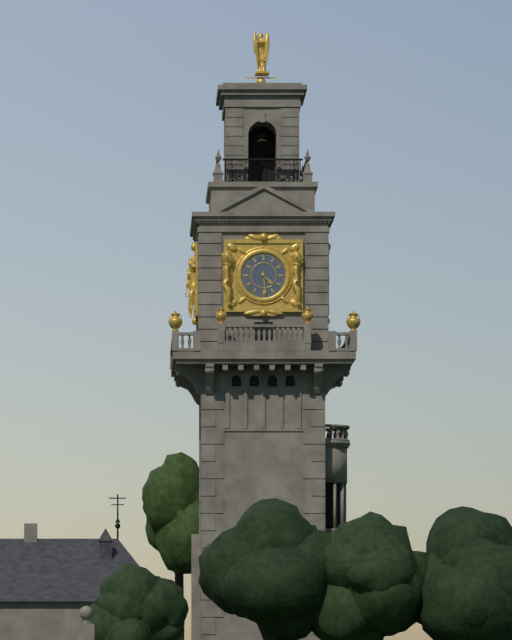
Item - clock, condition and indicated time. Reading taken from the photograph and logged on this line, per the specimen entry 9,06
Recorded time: 4,29
